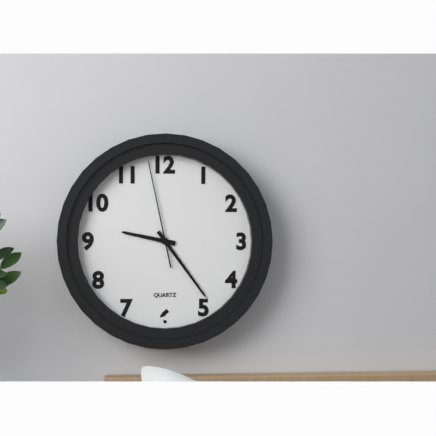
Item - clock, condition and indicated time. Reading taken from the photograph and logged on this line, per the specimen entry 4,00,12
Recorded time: 9,24,58
